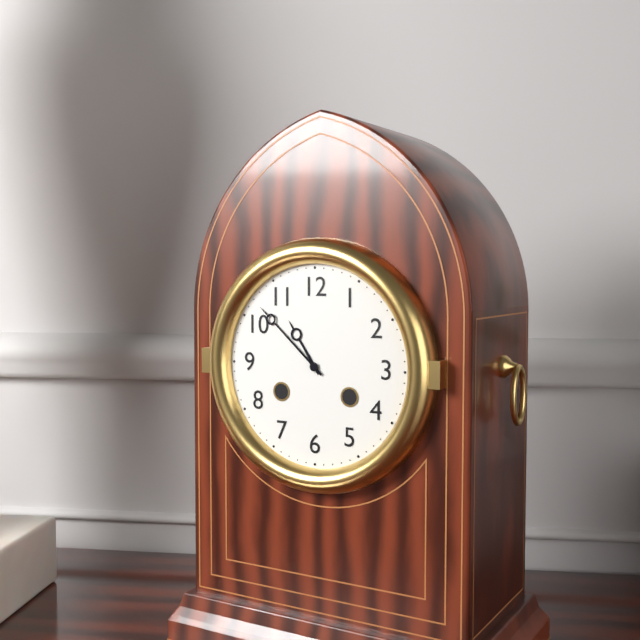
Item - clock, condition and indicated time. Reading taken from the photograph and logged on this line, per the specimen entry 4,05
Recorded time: 10,52
